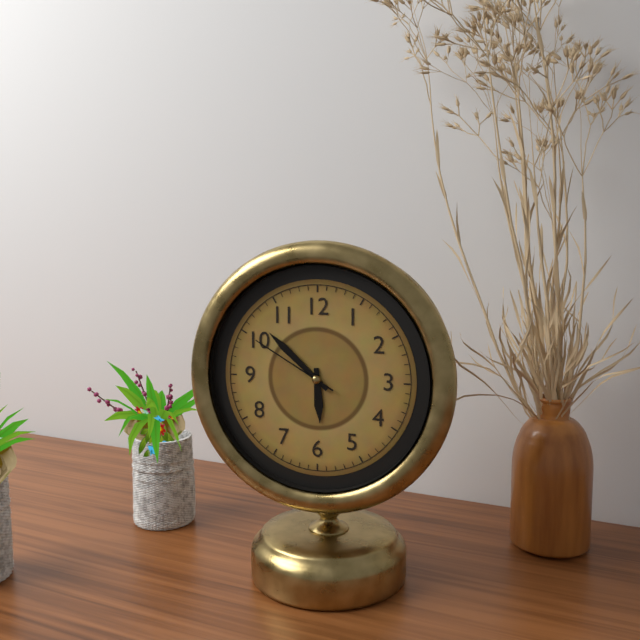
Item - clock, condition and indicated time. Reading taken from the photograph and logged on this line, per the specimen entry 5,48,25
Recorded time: 5,52,50
